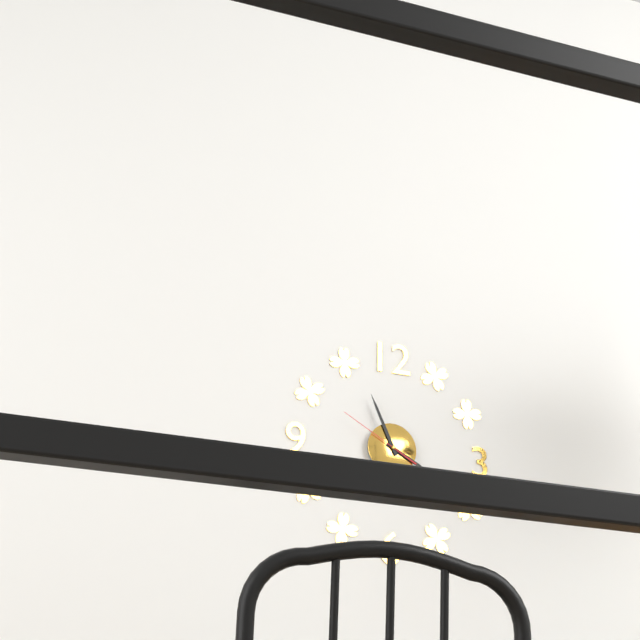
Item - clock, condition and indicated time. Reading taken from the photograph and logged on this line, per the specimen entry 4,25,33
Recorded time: 3,56,50
